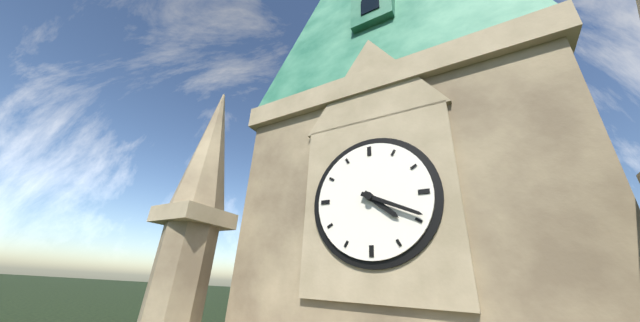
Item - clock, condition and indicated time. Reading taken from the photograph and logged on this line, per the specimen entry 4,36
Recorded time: 4,19
